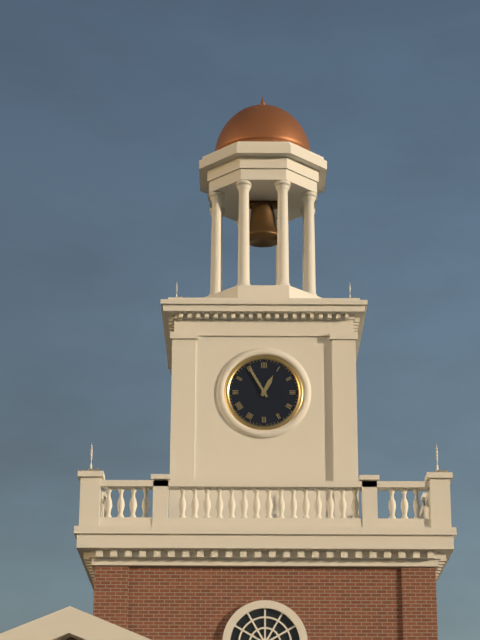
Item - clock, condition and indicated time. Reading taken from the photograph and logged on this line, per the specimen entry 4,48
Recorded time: 12,55
